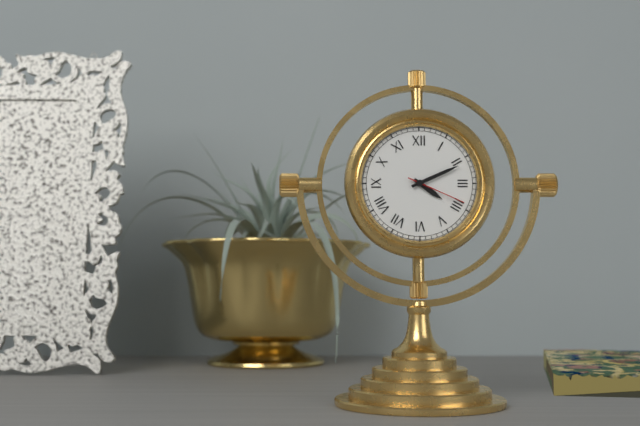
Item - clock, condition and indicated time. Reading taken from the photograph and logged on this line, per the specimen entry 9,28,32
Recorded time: 4,11,19
